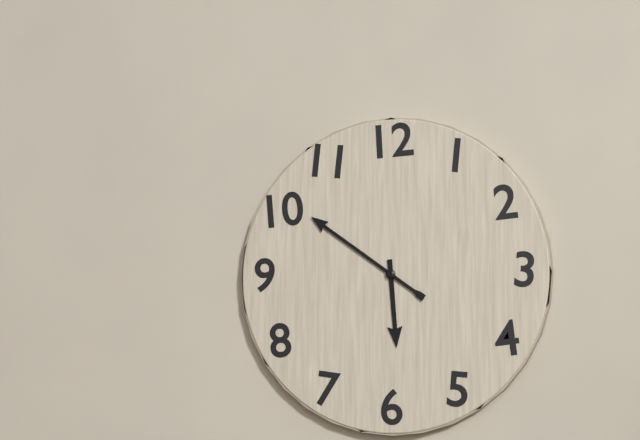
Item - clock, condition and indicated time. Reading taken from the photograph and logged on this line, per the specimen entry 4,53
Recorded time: 5,51
